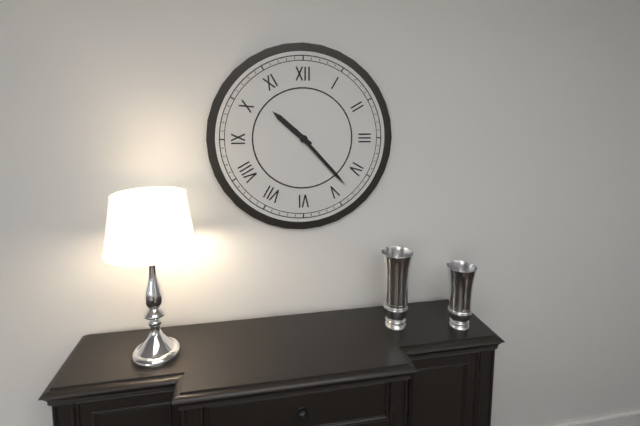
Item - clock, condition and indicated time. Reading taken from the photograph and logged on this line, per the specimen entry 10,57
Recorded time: 10,23
